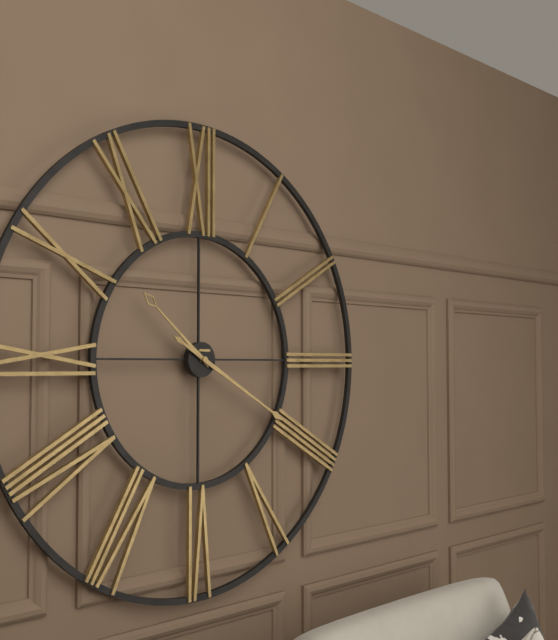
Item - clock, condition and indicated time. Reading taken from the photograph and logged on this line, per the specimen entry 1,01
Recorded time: 10,20
